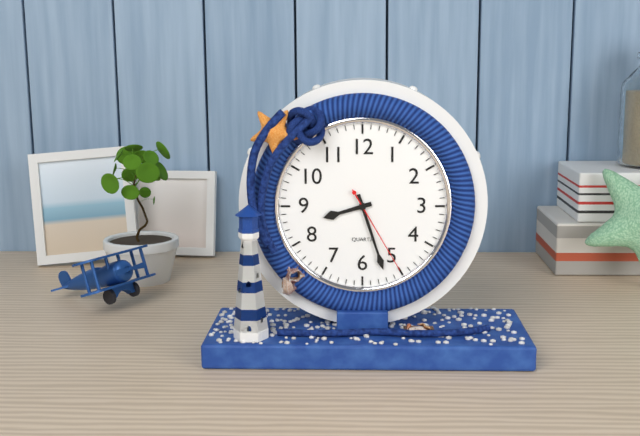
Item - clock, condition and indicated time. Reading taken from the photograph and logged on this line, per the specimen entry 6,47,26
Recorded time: 8,27,25
